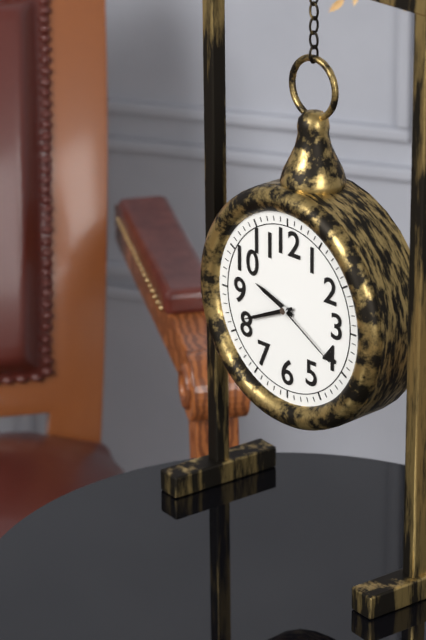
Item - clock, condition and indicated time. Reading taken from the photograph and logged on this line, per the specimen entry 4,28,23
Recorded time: 9,41,20
